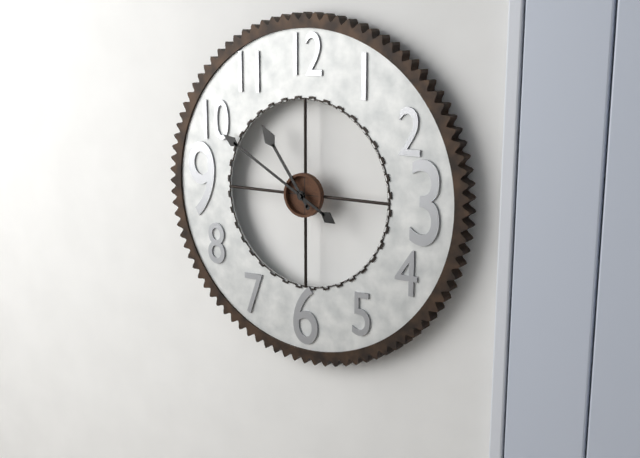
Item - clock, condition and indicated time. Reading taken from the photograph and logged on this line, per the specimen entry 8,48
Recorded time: 10,50
